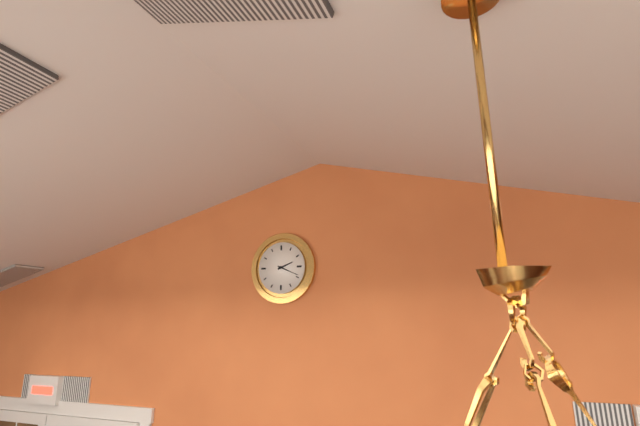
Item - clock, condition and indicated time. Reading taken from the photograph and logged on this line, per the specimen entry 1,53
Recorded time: 2,19
